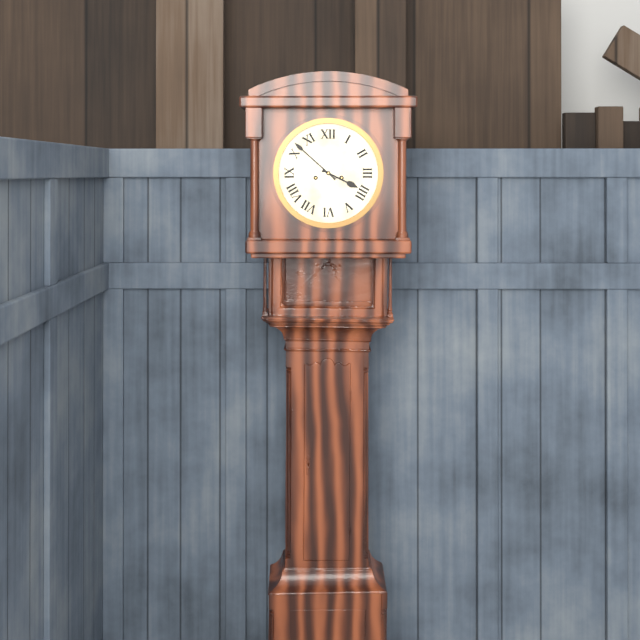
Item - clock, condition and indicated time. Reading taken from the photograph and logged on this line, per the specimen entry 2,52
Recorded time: 3,52
